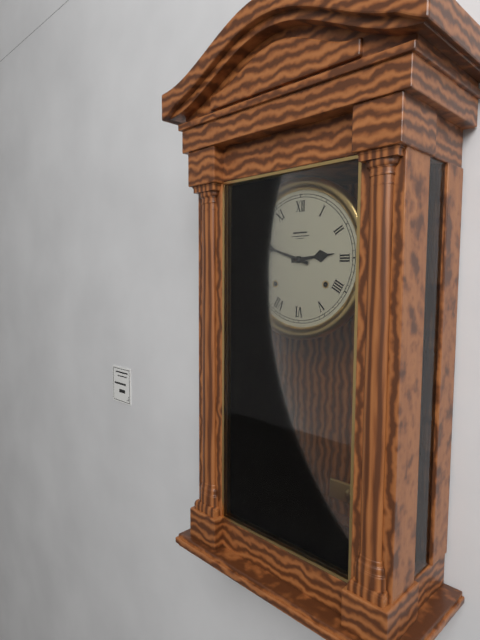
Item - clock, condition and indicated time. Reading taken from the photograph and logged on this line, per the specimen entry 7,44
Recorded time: 2,48
